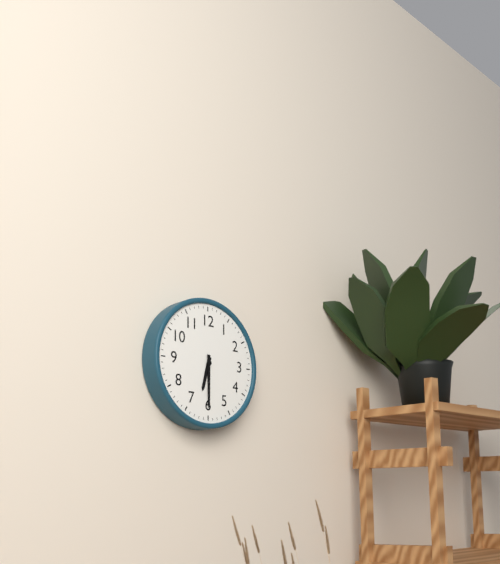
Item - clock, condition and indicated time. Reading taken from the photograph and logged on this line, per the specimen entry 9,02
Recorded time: 6,30
